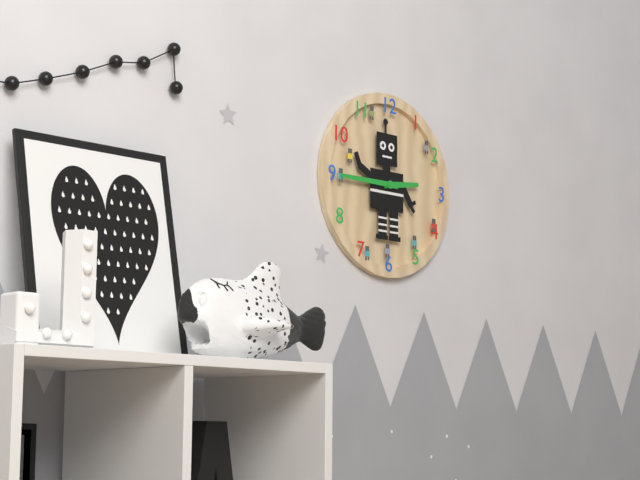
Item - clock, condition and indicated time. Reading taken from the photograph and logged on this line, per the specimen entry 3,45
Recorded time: 2,45
